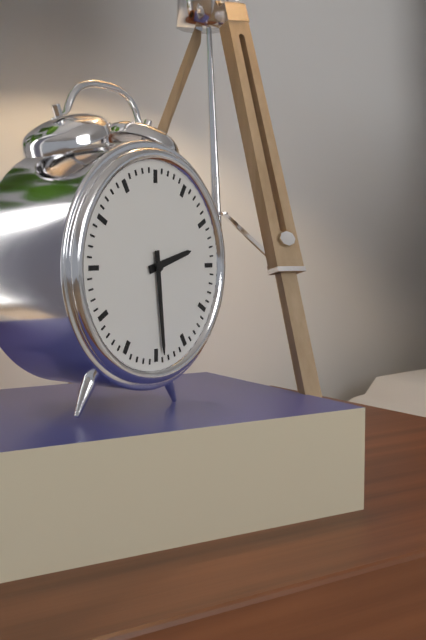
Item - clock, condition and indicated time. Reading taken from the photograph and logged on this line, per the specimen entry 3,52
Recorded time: 2,29
